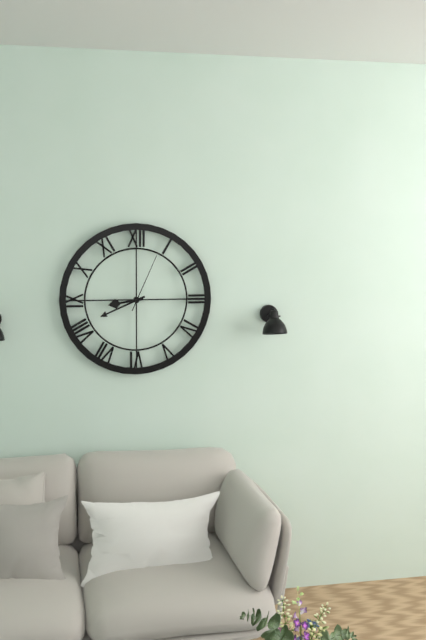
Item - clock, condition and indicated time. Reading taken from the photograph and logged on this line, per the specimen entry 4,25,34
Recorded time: 8,41,04
